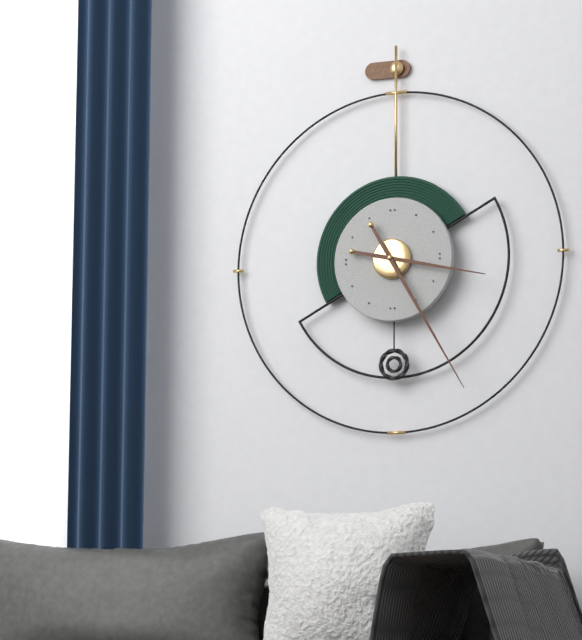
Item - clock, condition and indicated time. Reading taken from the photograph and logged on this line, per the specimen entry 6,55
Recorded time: 3,25
